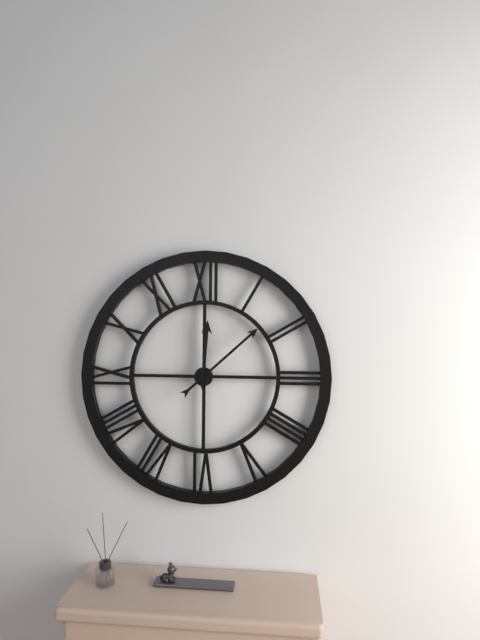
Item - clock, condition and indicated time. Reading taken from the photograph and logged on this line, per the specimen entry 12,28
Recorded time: 12,08
